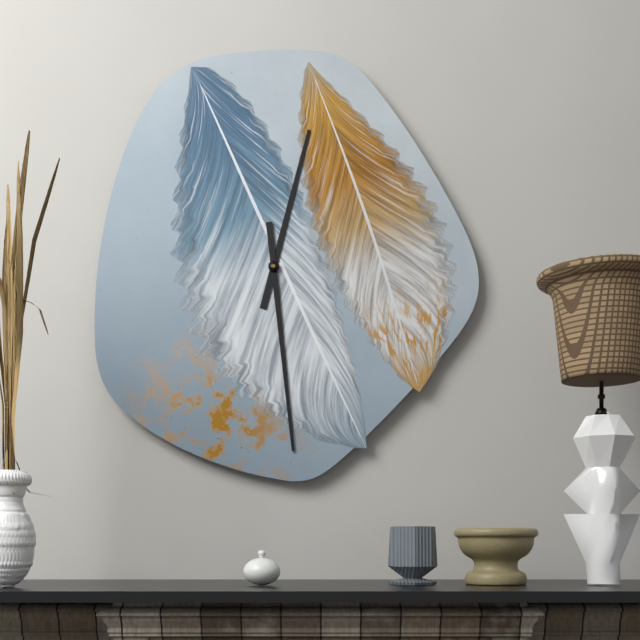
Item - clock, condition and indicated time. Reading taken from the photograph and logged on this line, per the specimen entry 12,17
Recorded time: 12,29
